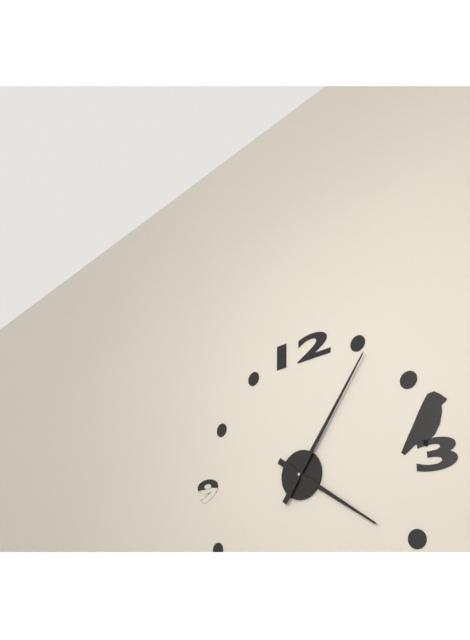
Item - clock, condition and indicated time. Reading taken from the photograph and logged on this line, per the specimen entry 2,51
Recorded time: 4,06
